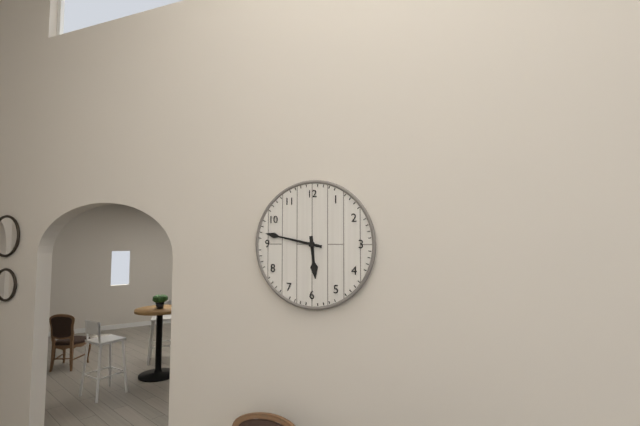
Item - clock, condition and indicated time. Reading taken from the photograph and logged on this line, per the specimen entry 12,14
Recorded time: 5,47
